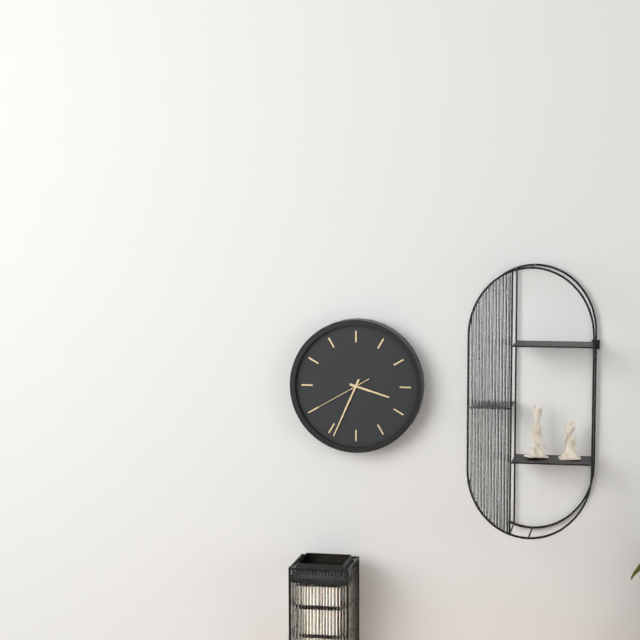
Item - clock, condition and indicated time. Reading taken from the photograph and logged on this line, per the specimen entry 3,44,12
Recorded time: 3,34,40
